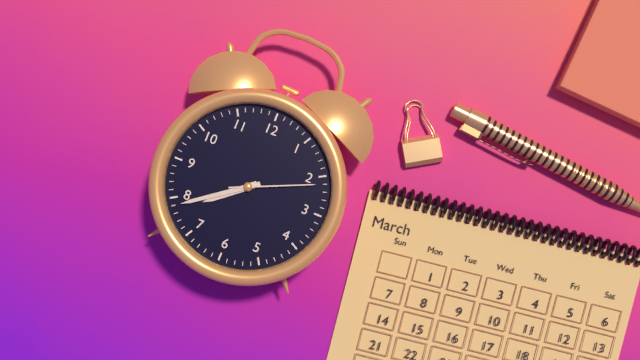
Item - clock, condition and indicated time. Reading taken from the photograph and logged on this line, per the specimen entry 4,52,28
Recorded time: 7,39,11
